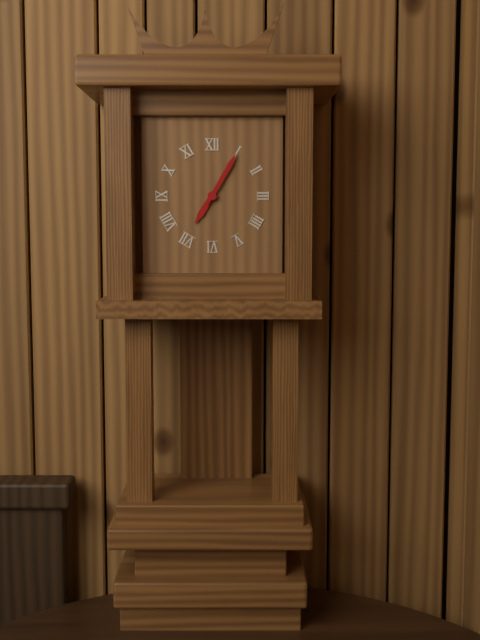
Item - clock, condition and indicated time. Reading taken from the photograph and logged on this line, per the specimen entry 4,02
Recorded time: 7,05
